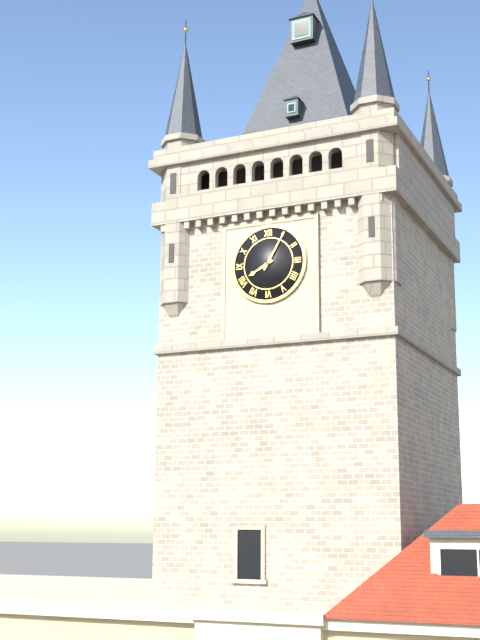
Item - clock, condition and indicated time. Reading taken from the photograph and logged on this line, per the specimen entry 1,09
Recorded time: 8,05
